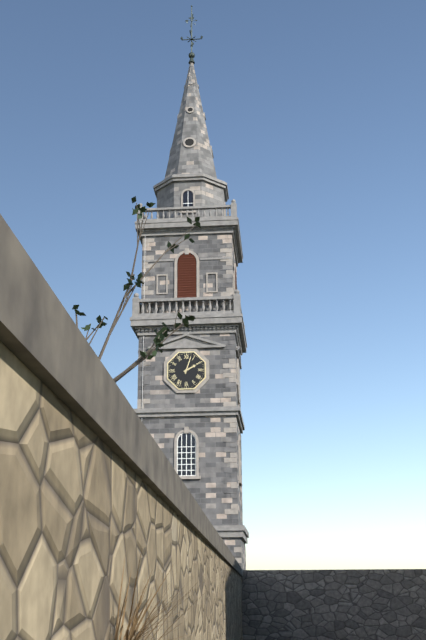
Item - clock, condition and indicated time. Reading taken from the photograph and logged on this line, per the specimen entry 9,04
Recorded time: 2,03
